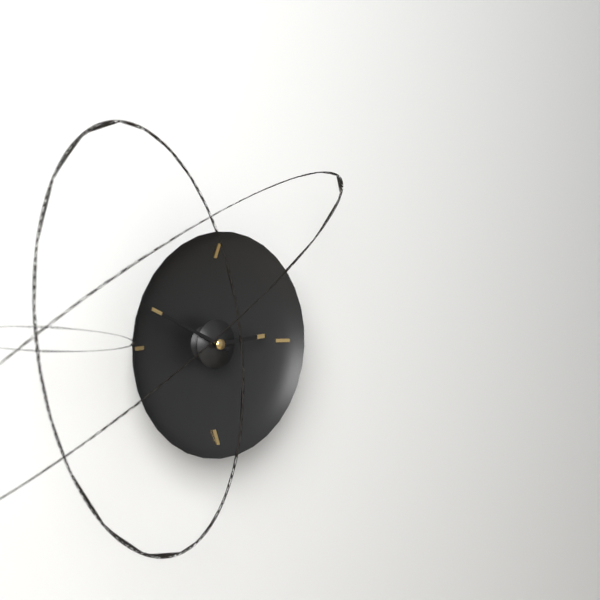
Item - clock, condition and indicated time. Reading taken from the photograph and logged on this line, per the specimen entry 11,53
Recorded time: 2,49
